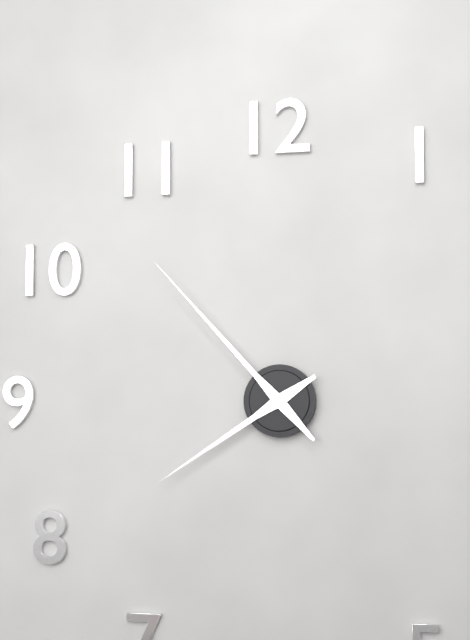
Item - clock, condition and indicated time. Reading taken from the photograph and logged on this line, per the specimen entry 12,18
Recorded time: 7,53
